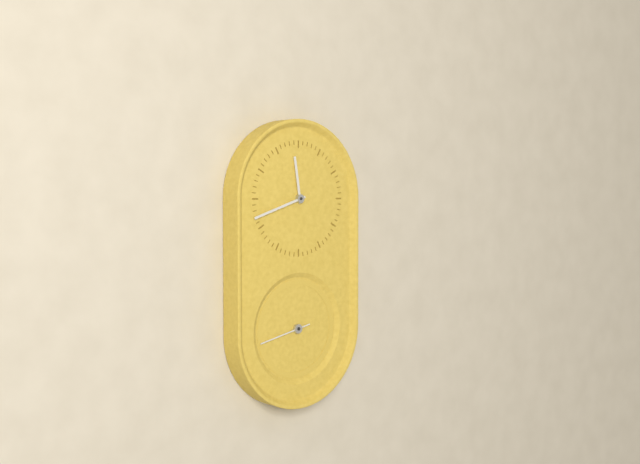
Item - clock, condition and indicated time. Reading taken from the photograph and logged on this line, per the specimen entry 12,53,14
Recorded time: 11,42,43
